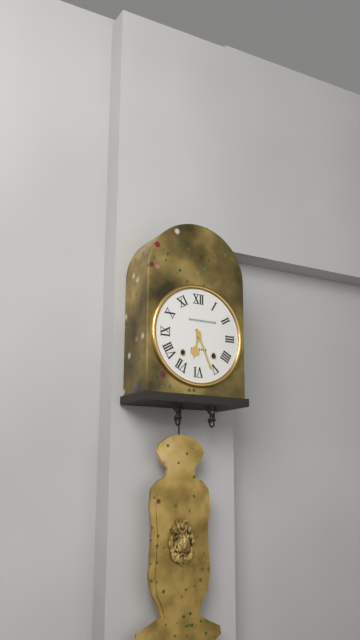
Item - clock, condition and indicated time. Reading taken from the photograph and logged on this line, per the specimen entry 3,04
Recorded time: 6,26
